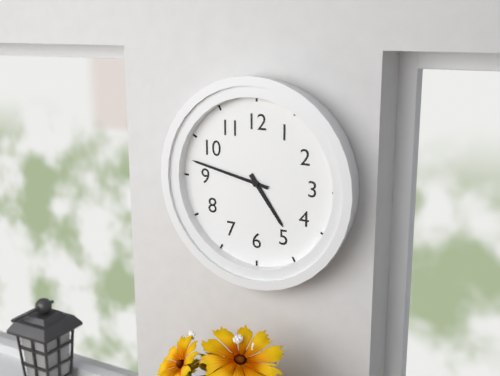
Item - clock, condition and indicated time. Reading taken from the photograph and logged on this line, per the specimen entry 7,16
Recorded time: 4,47
